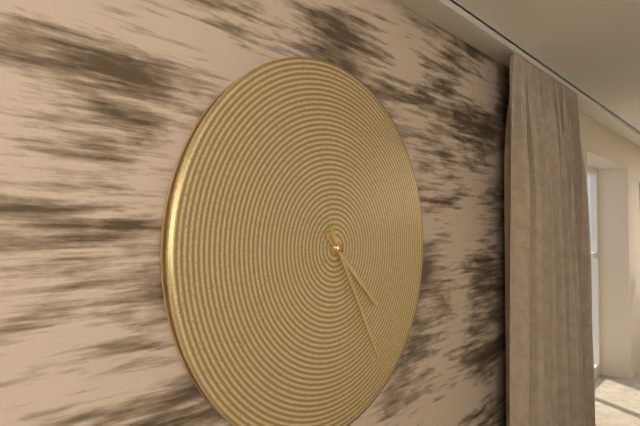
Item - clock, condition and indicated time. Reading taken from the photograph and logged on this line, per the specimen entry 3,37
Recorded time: 4,25
